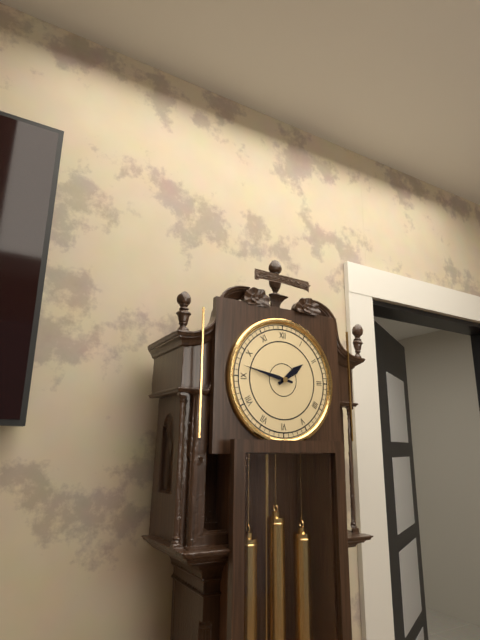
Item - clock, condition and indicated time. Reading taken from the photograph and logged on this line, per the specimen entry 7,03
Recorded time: 1,47
